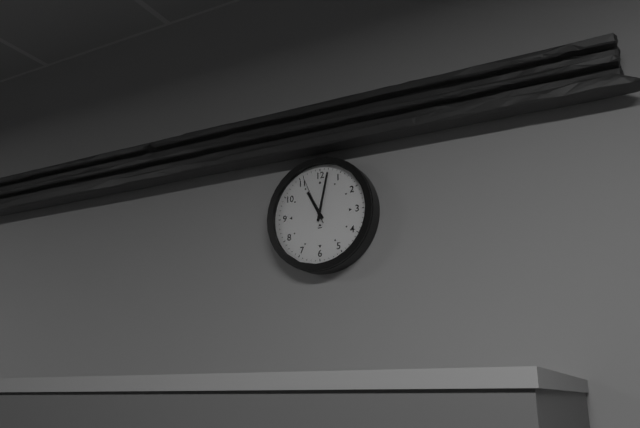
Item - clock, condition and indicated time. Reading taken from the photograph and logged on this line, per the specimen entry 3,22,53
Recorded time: 11,02,56
